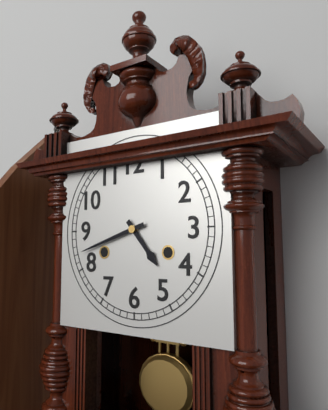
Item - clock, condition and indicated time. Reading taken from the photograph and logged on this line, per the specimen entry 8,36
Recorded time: 4,42
